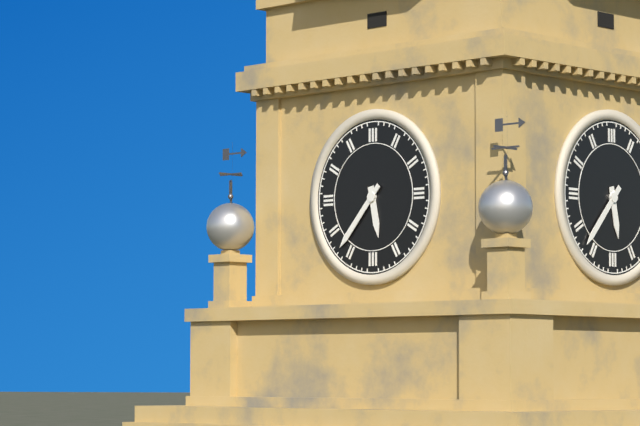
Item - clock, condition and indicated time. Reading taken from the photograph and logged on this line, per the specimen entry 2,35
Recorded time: 5,37
